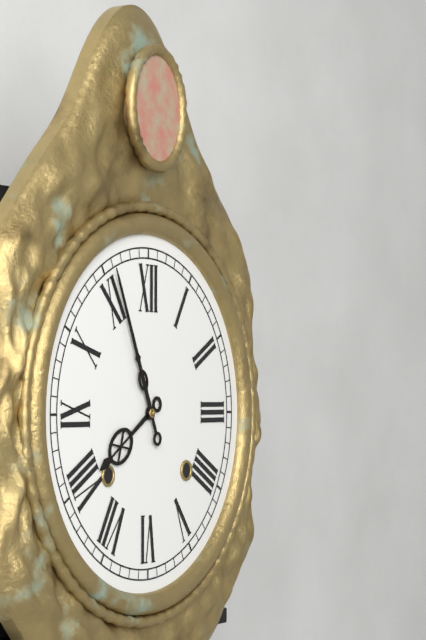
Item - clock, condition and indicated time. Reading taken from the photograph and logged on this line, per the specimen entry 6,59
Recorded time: 7,56
